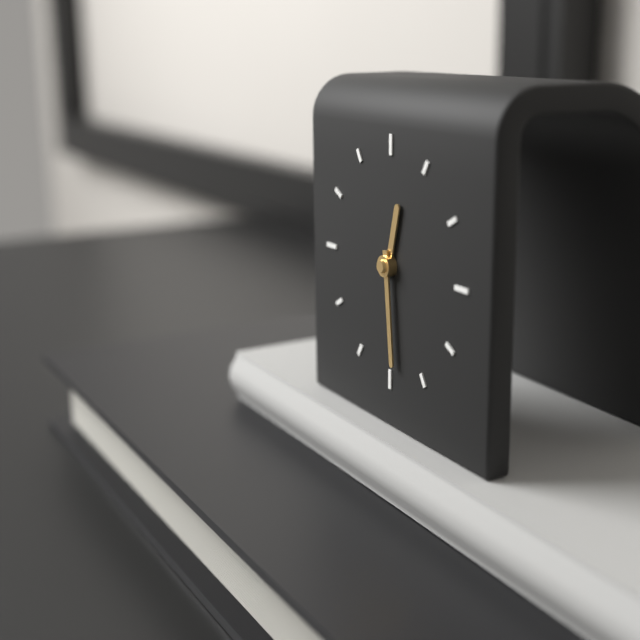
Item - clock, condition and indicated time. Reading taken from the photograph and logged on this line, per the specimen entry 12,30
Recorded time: 12,29
